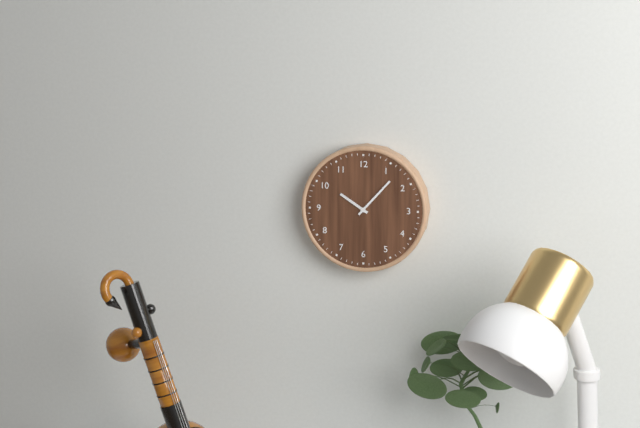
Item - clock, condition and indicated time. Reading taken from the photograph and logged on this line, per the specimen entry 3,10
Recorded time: 10,07
